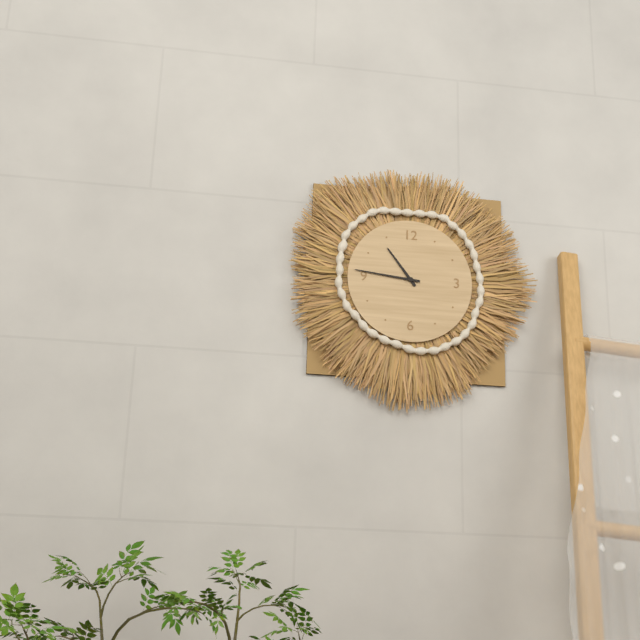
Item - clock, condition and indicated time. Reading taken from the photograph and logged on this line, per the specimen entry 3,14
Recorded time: 10,46
